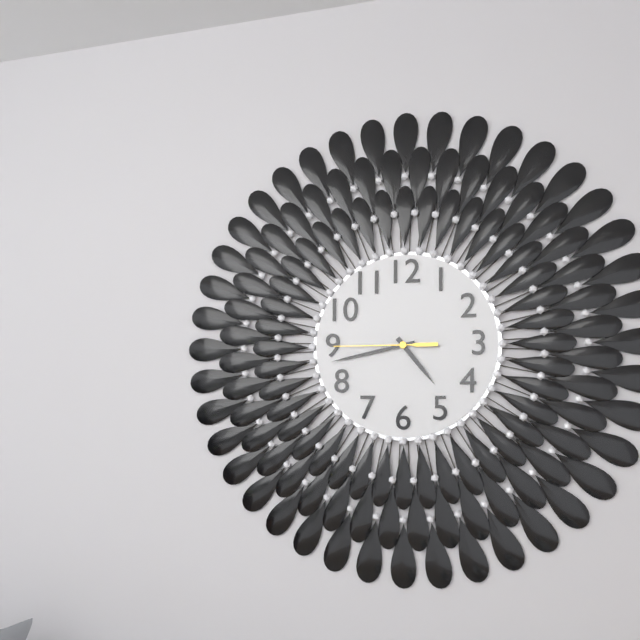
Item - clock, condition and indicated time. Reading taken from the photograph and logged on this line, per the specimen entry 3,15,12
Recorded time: 4,43,45
